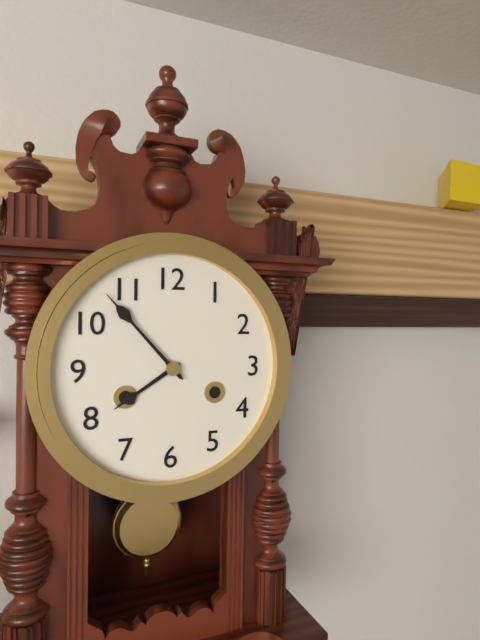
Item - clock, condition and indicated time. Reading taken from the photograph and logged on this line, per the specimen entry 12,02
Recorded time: 7,53
